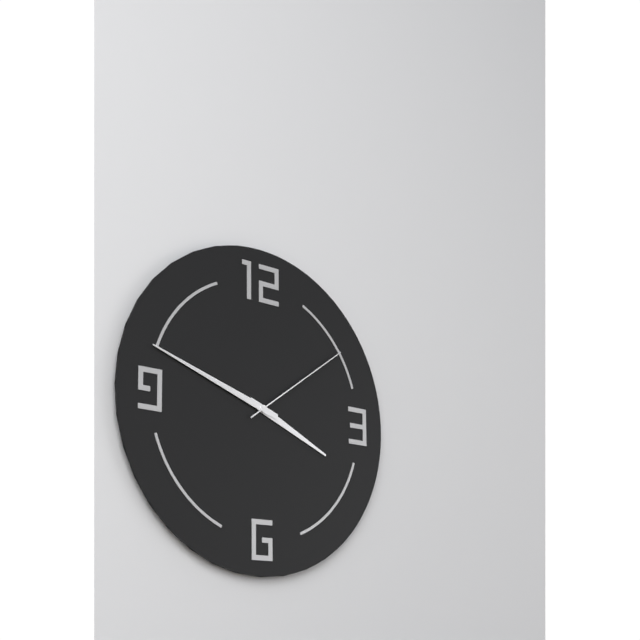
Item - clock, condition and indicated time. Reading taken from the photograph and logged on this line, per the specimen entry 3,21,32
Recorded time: 3,48,09
